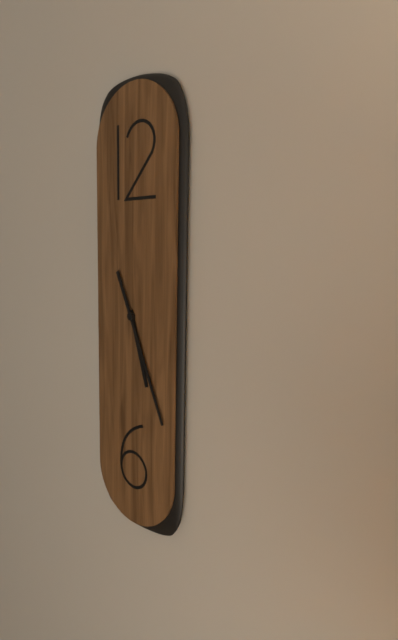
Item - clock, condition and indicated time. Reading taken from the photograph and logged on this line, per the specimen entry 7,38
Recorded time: 5,26
